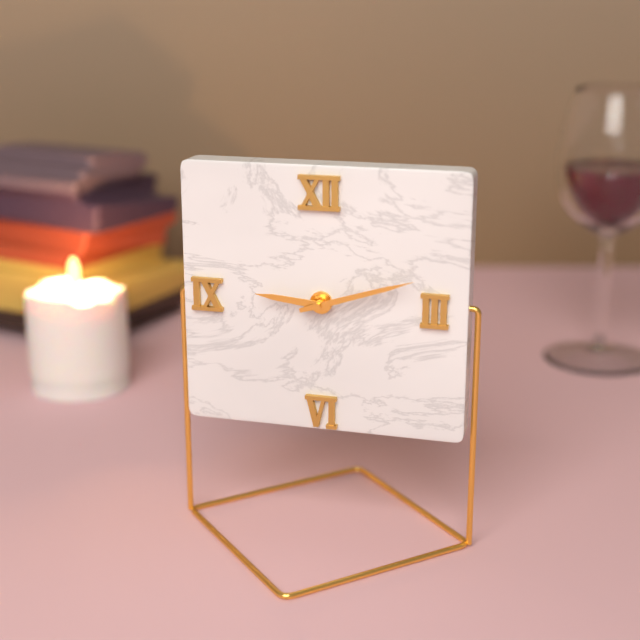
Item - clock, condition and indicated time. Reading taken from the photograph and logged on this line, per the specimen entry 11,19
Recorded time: 9,12
